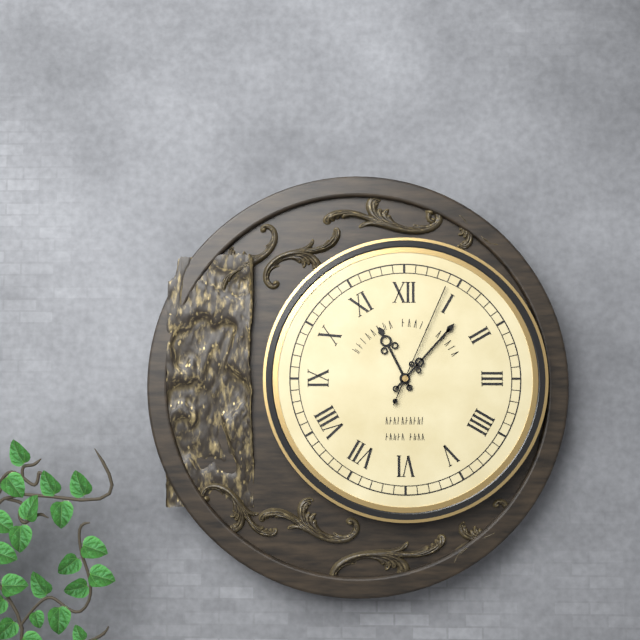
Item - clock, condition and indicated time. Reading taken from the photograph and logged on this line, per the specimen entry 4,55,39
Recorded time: 11,07,04
